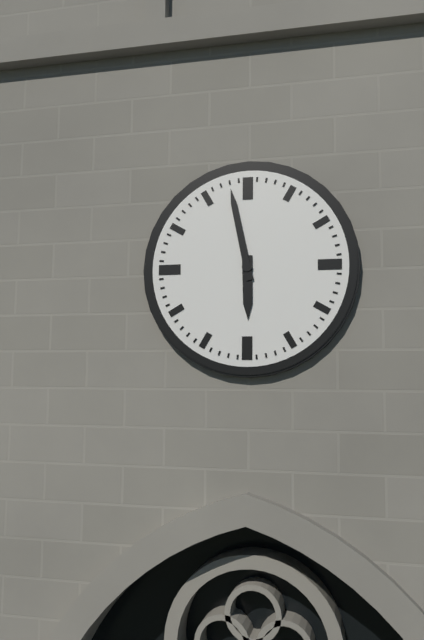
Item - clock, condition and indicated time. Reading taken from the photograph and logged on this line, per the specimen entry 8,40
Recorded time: 5,58
